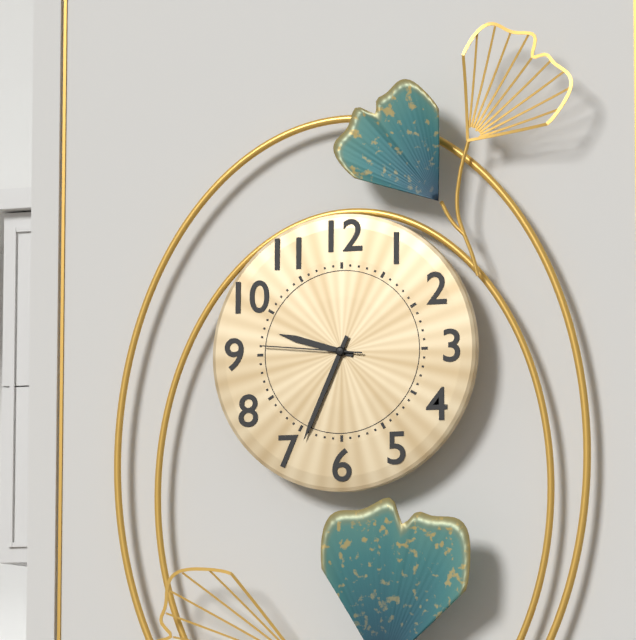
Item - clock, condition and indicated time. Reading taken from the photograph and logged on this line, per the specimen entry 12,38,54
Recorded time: 9,34,46
